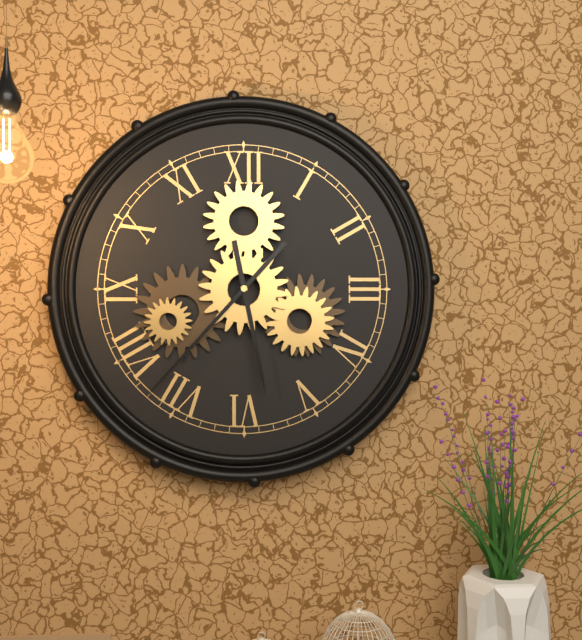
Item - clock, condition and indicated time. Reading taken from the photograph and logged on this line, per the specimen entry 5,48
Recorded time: 5,37
